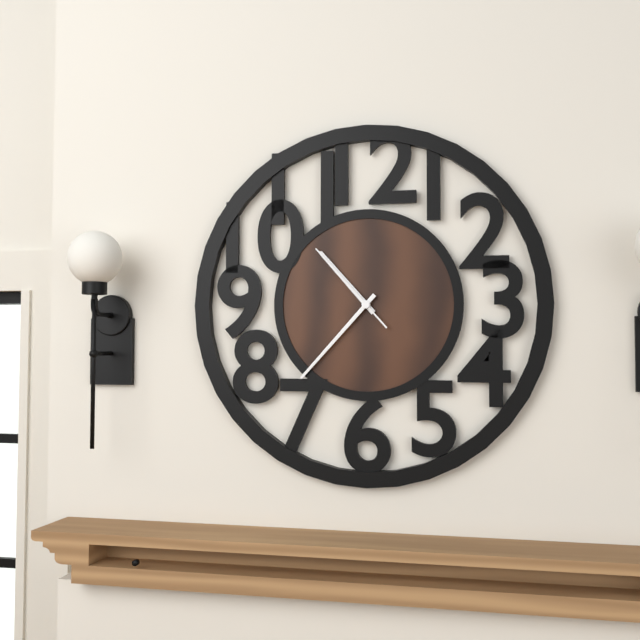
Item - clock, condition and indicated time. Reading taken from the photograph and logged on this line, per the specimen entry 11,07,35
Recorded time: 10,37,53
